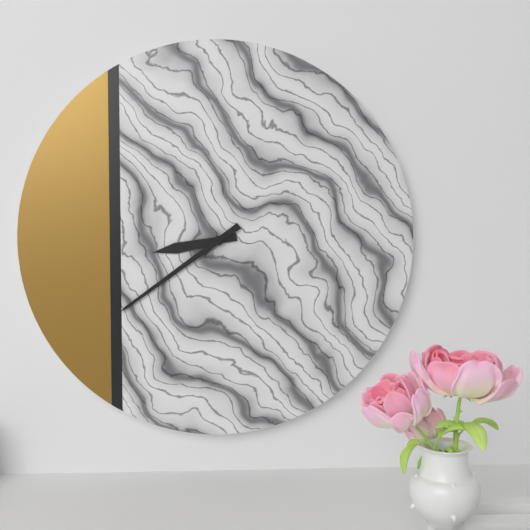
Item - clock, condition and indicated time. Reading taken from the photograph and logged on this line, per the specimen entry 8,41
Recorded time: 8,39
